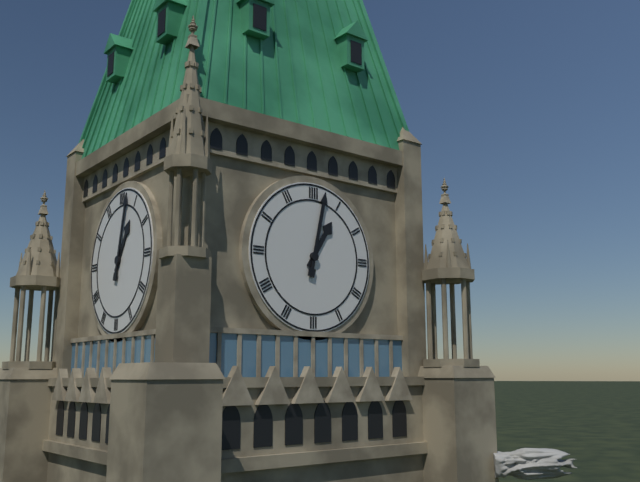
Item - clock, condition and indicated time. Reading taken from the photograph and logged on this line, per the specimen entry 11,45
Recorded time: 1,02
